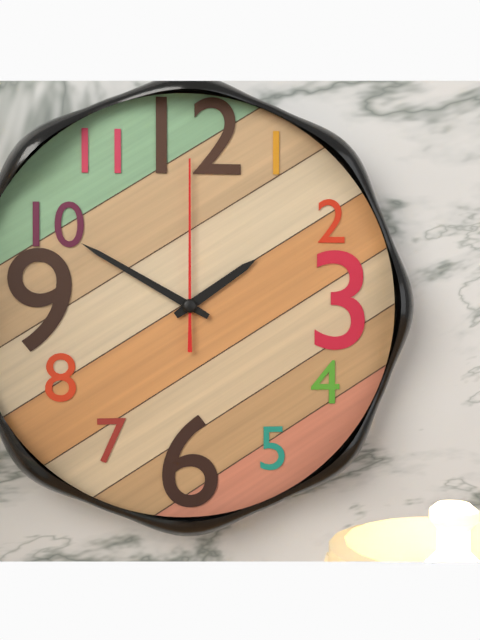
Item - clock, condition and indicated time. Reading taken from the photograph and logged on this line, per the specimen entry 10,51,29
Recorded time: 1,50,00
